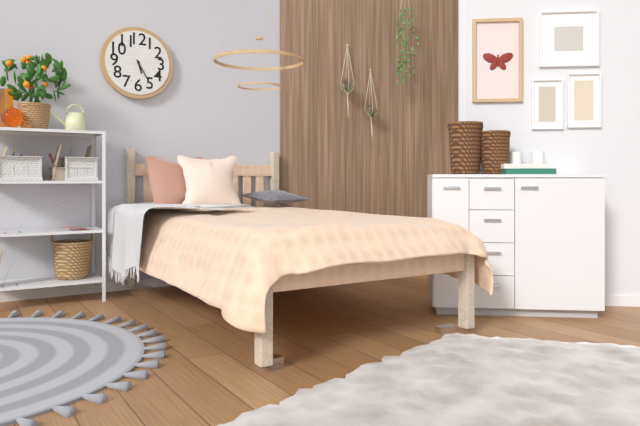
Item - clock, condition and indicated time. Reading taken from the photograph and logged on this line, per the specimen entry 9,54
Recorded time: 5,25
